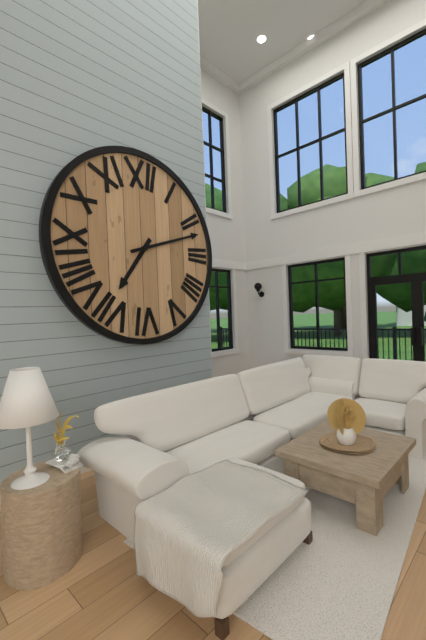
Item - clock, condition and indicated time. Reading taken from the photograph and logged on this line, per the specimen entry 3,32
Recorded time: 7,12
